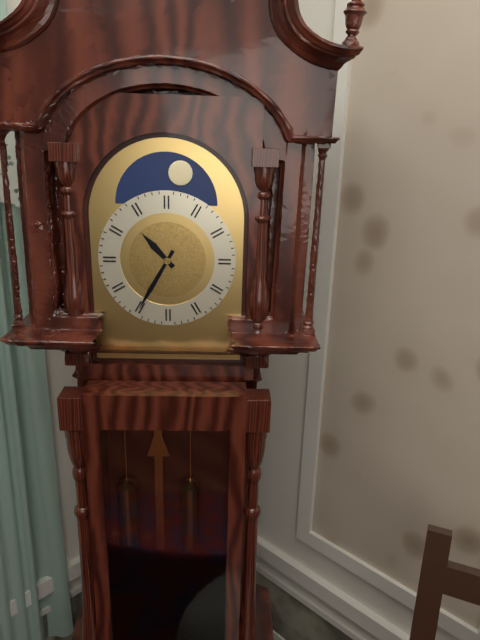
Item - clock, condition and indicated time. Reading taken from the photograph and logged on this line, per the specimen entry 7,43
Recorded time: 10,35
